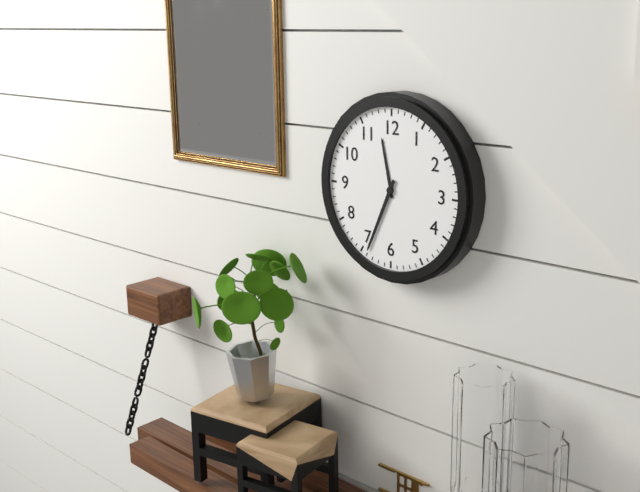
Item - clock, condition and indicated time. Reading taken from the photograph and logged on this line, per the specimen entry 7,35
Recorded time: 11,34
